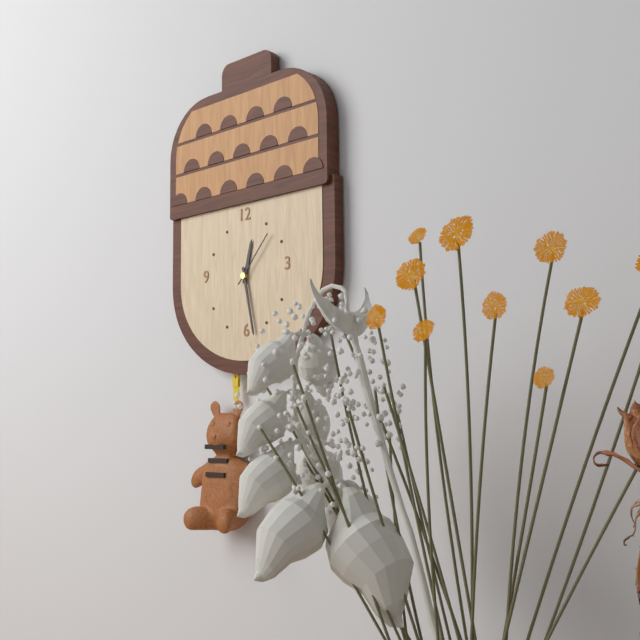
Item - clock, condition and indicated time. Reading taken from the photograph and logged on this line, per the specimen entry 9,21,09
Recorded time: 12,28,07
